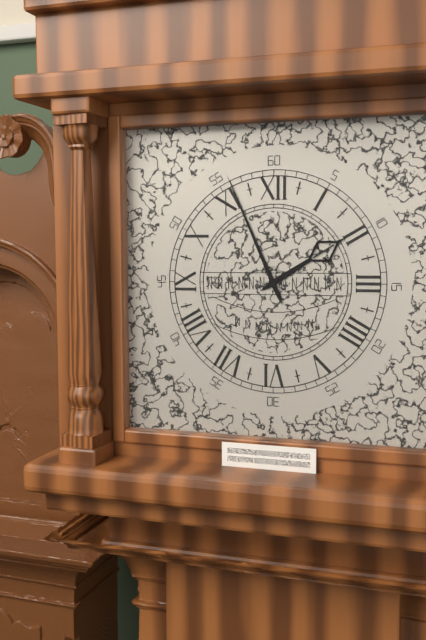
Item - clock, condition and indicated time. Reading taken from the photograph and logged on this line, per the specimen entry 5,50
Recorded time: 1,56
